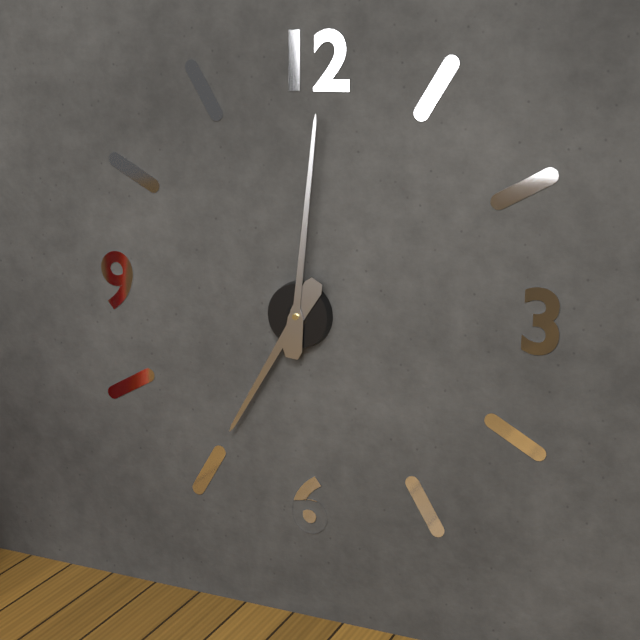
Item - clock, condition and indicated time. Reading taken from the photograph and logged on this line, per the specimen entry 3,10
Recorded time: 7,01
